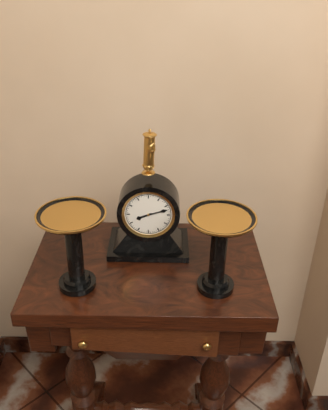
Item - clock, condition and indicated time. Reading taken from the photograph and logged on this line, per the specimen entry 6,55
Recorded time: 8,12
